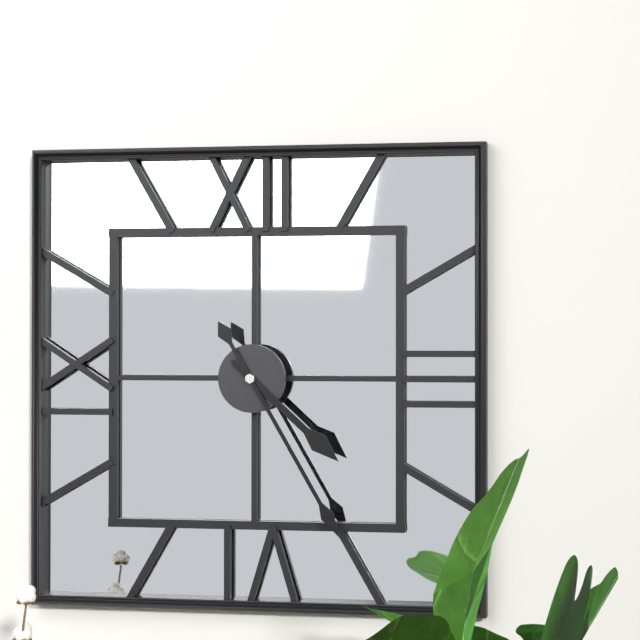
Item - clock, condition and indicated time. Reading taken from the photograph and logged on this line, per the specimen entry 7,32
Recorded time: 4,25
